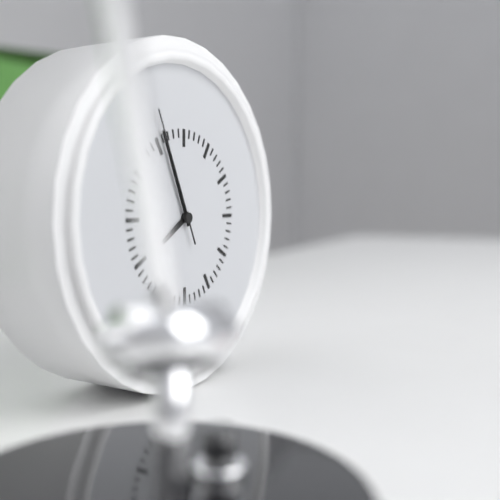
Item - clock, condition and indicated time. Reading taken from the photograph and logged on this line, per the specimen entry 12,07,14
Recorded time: 7,56,56
